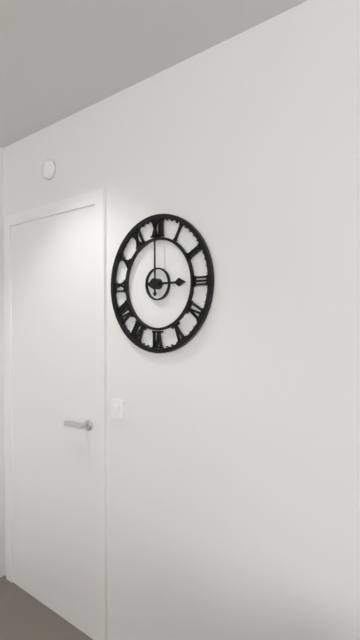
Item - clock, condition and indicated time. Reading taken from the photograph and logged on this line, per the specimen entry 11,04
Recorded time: 3,00
